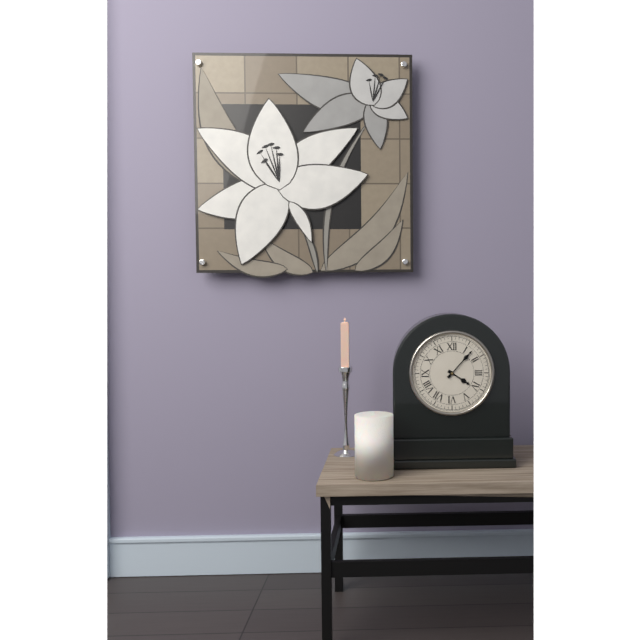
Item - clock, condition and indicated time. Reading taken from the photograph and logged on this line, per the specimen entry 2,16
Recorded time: 4,07
